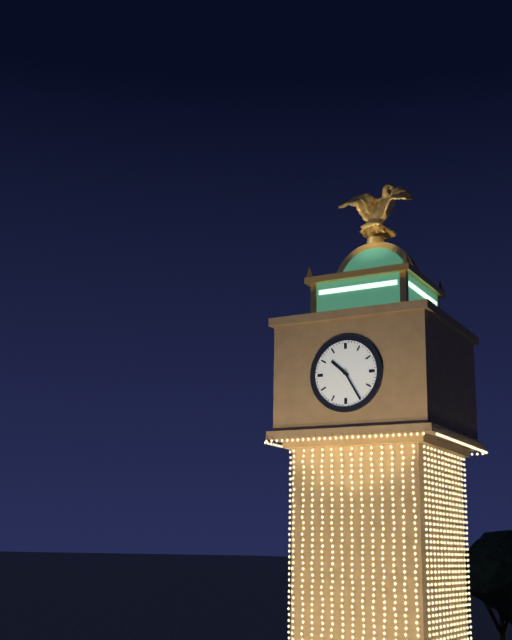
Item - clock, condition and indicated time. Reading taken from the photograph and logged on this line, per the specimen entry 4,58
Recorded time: 10,25
